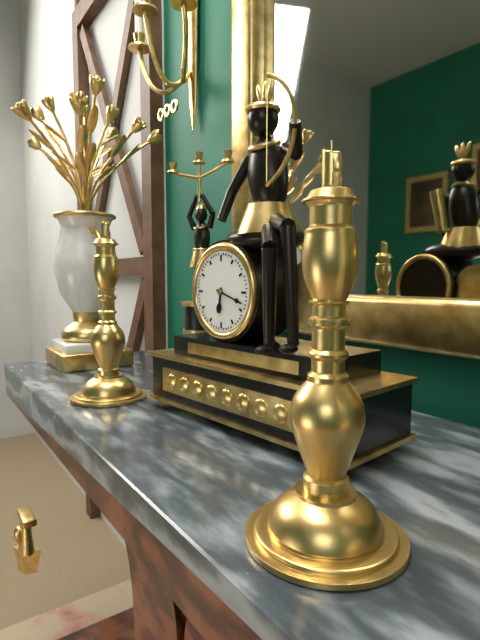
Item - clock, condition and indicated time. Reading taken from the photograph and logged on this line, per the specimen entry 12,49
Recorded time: 6,18
